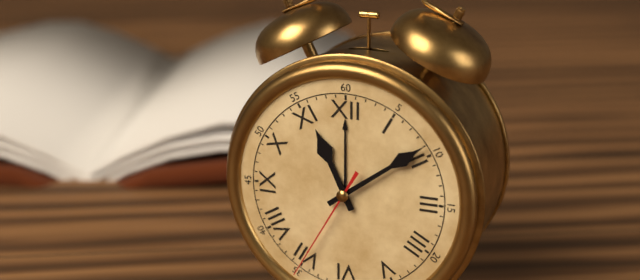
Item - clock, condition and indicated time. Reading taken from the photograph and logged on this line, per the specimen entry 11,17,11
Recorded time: 11,09,35
